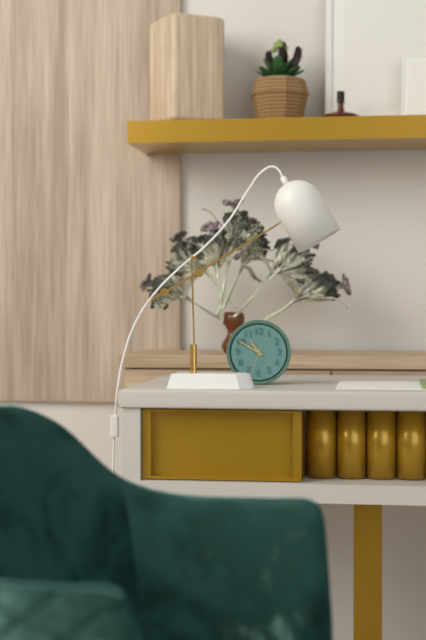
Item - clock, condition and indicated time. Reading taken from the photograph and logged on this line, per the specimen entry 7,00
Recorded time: 10,50
